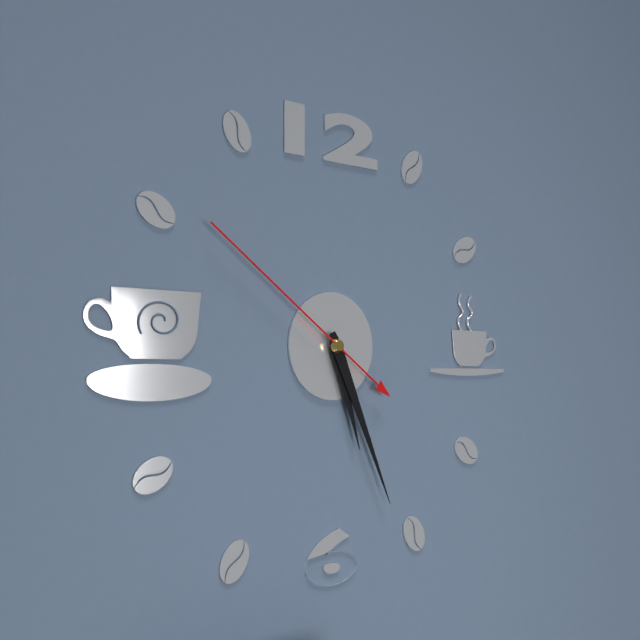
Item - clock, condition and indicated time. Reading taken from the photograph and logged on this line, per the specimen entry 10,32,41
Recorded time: 5,26,51
